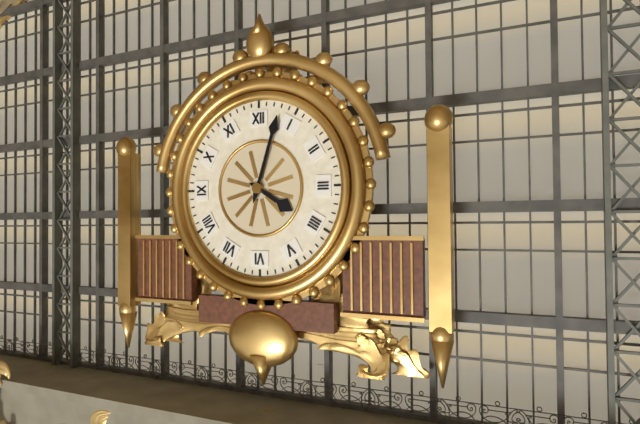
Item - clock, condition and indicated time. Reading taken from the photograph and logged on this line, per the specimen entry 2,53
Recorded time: 4,03
